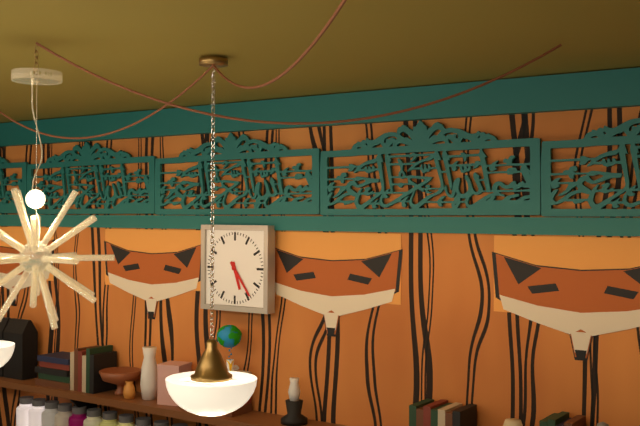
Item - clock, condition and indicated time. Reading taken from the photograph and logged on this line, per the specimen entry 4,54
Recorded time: 5,24
